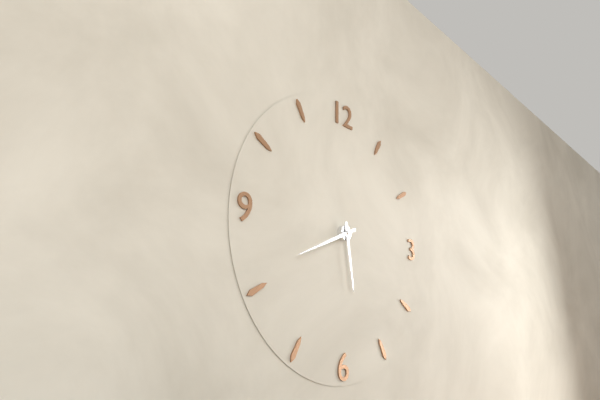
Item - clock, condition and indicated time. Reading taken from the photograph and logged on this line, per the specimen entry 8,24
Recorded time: 5,41
